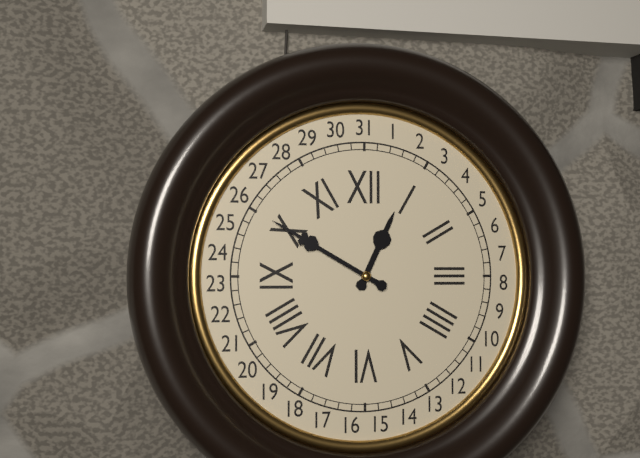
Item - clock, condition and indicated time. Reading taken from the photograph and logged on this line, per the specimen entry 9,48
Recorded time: 12,50
